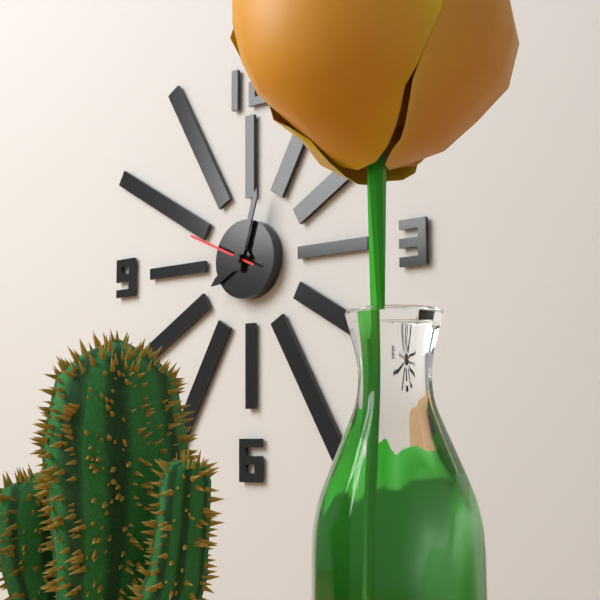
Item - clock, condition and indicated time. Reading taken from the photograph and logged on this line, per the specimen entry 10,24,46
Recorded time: 8,03,49
